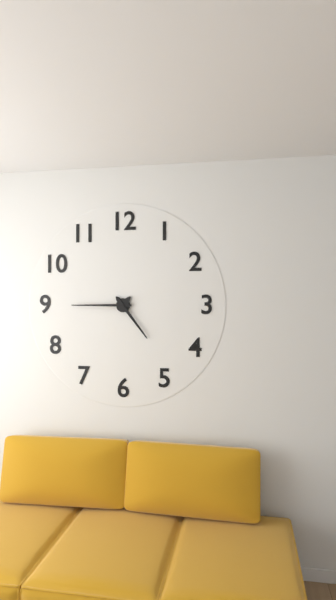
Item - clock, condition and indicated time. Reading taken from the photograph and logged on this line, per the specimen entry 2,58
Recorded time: 4,45
